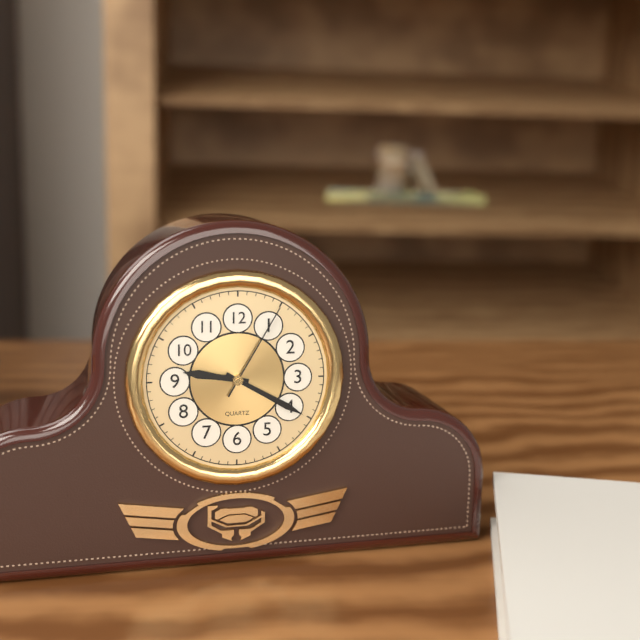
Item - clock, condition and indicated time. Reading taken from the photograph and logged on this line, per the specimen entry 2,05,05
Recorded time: 9,20,05
